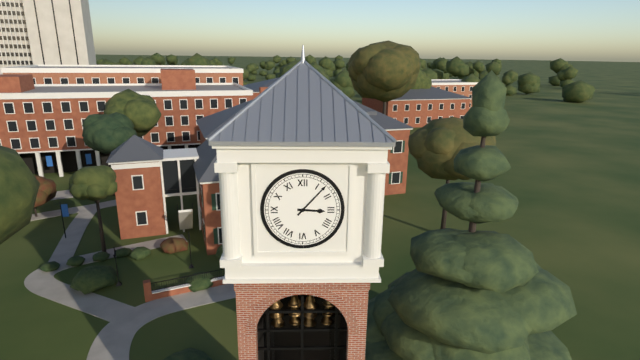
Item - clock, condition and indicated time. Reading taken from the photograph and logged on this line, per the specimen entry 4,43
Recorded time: 3,07
